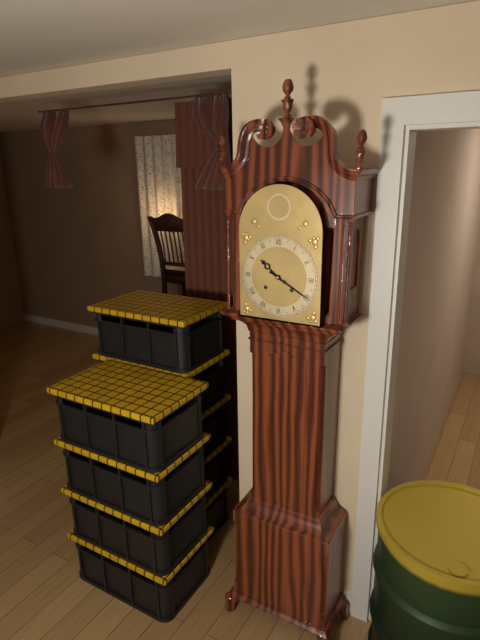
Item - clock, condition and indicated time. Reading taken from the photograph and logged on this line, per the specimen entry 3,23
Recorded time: 10,20
